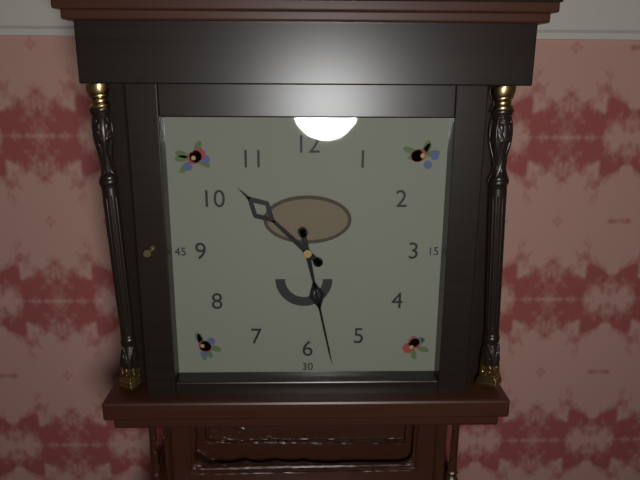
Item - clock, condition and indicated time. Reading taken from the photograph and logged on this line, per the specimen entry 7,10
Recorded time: 10,28
